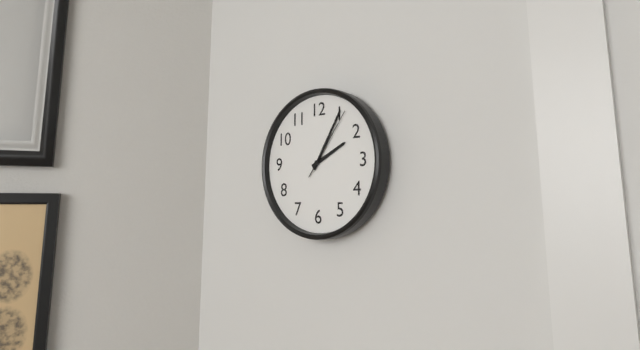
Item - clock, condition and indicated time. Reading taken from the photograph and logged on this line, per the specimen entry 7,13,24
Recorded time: 2,05,06
